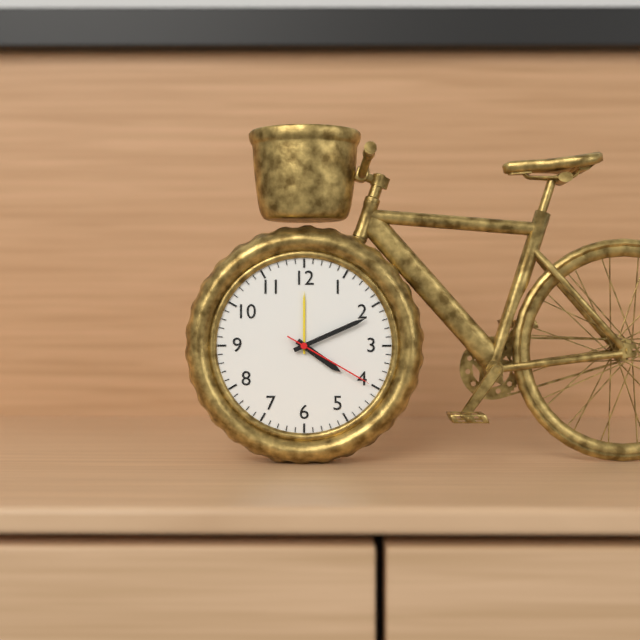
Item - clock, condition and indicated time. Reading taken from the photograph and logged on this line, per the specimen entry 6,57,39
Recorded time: 4,11,20
